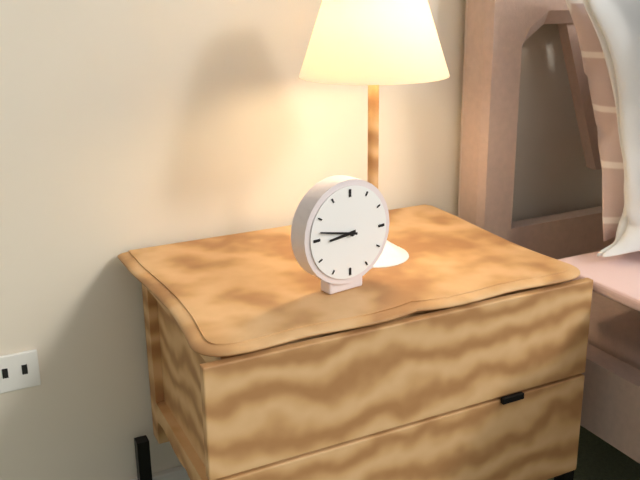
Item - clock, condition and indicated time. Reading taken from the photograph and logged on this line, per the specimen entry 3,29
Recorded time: 8,47
